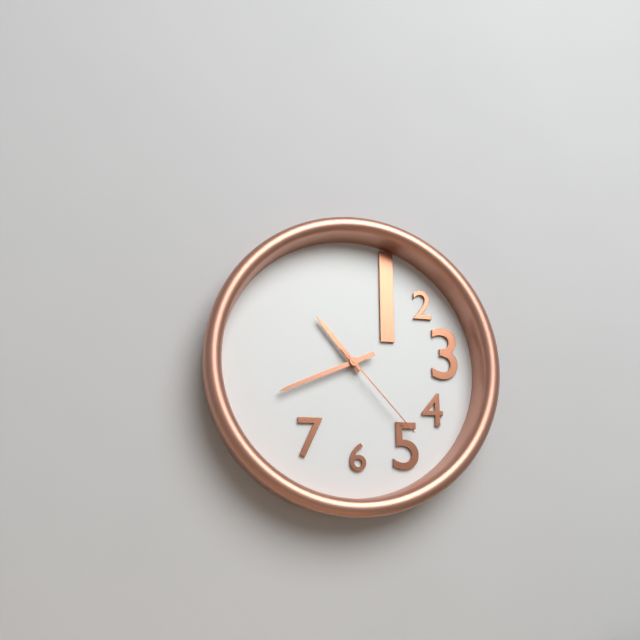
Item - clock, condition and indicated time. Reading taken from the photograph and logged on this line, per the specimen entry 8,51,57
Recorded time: 10,41,23
